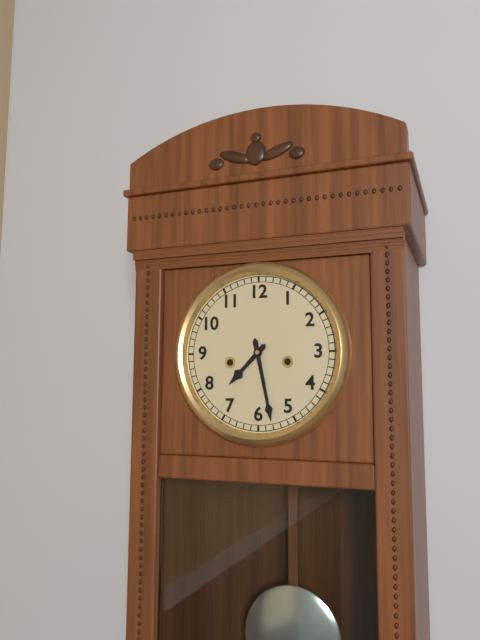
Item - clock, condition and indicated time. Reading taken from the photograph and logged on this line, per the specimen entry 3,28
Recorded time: 7,28
